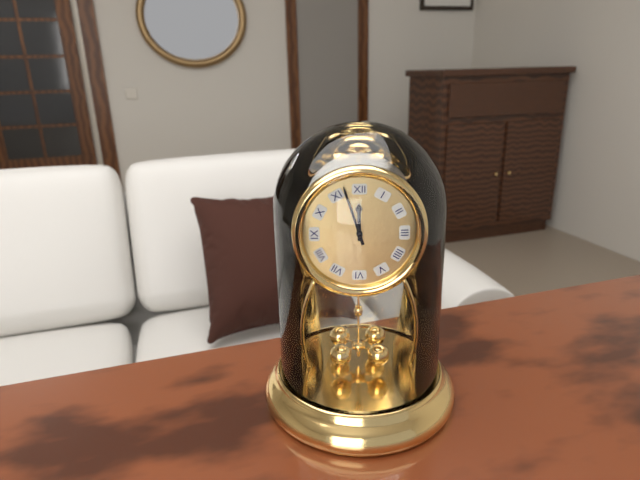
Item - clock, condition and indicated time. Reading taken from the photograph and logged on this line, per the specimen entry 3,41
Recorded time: 11,57
